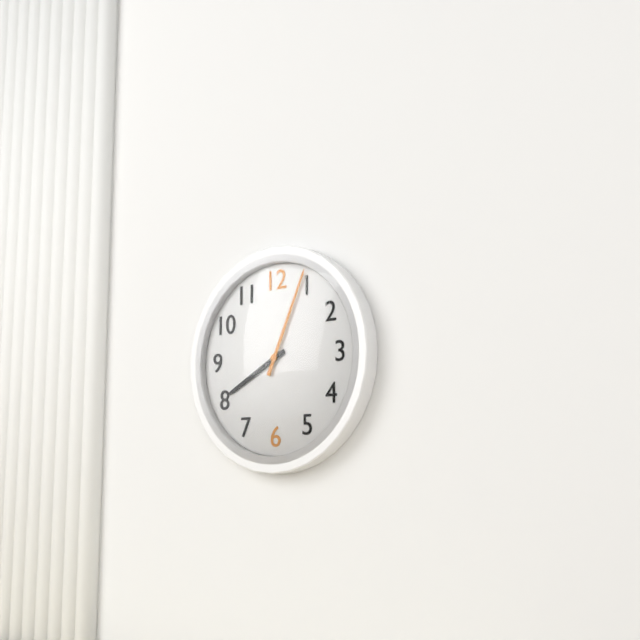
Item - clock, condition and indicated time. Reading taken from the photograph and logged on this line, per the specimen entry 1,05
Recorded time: 8,04
